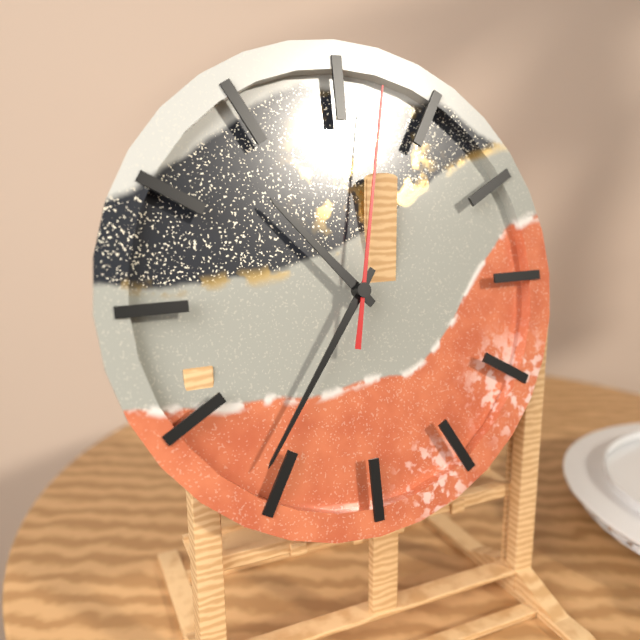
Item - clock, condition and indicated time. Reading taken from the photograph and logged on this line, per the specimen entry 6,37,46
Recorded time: 10,36,02
